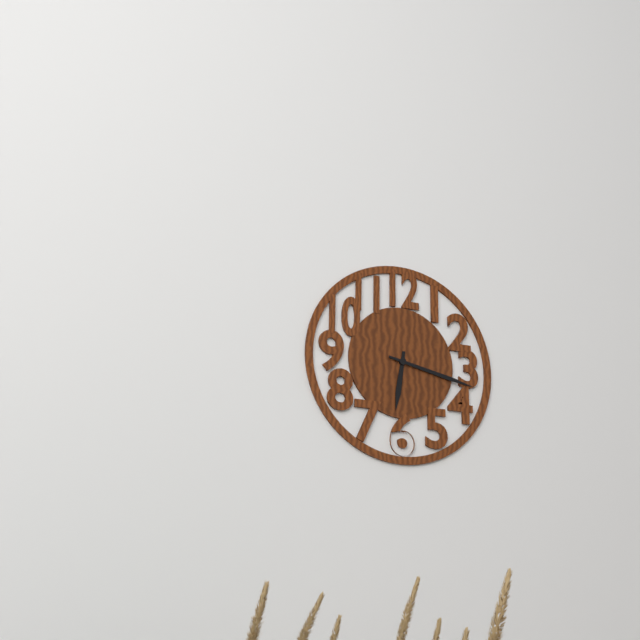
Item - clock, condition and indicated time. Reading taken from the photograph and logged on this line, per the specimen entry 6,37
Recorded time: 6,17
